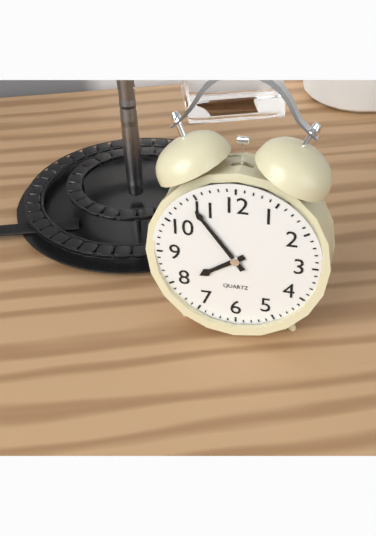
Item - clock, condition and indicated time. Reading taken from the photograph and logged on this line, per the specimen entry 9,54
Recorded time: 7,54
